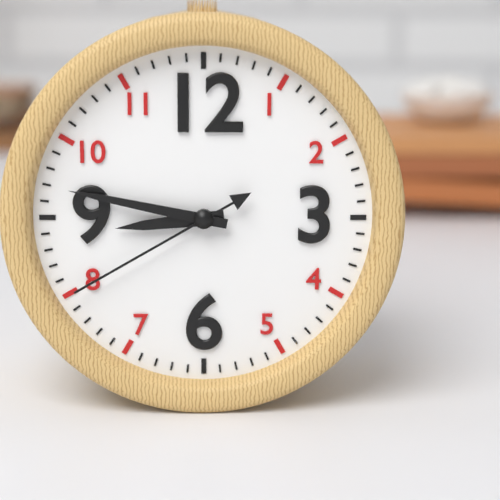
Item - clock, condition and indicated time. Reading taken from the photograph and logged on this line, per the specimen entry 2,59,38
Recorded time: 8,47,40
